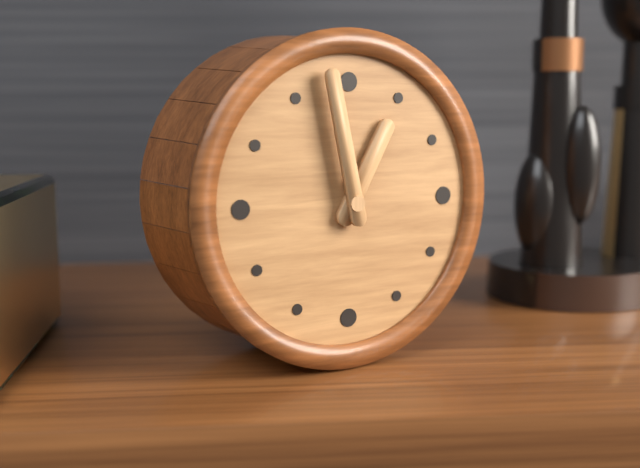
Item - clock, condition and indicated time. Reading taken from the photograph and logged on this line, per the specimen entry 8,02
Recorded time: 12,58
